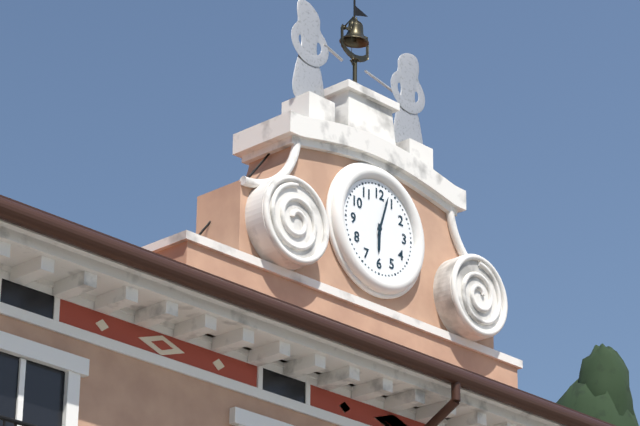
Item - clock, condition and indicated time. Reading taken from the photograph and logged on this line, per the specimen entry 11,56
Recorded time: 6,03
